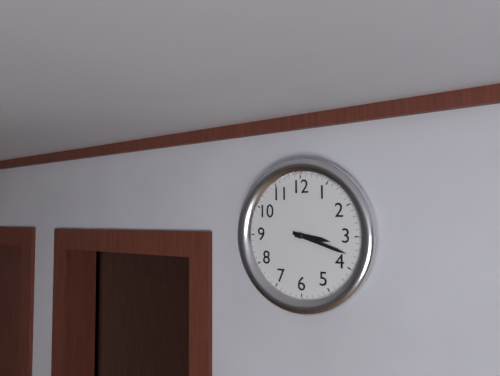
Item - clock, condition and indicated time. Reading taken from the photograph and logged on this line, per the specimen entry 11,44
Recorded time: 3,18
